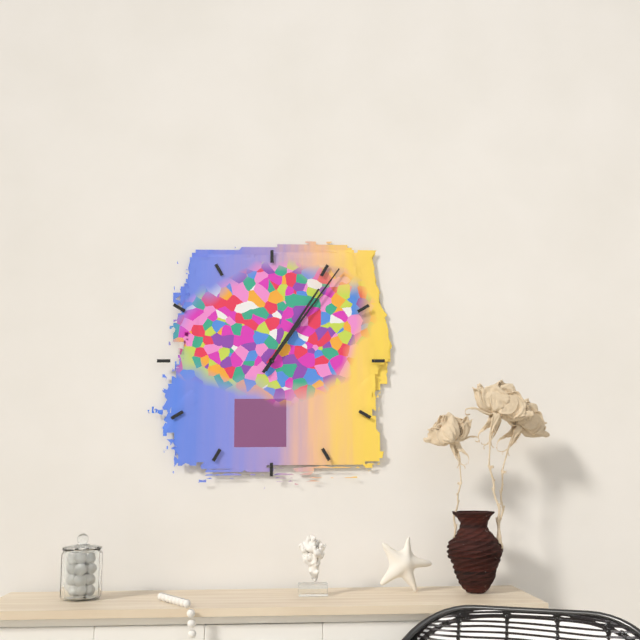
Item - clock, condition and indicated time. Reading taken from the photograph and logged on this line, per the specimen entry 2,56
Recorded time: 1,06
